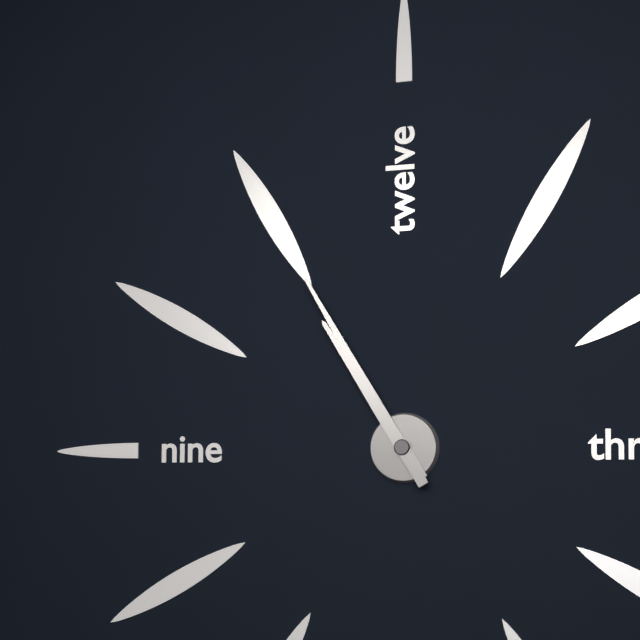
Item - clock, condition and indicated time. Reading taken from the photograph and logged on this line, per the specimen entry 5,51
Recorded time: 10,55
